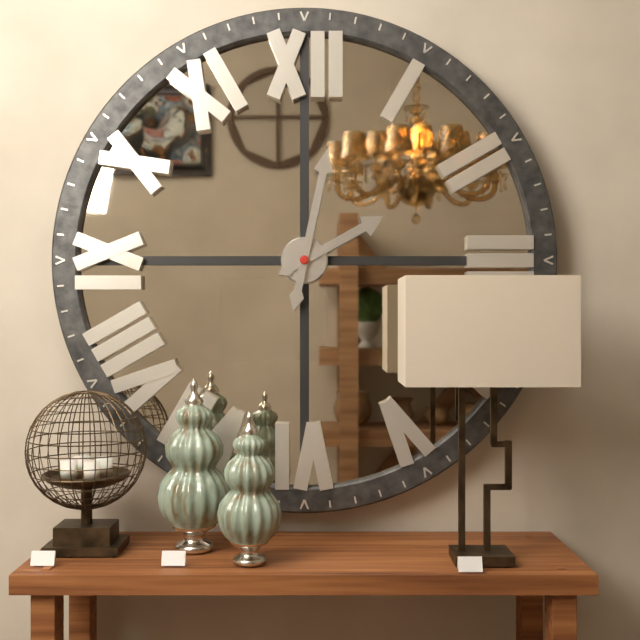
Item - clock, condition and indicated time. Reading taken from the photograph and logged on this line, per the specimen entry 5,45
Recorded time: 2,02
